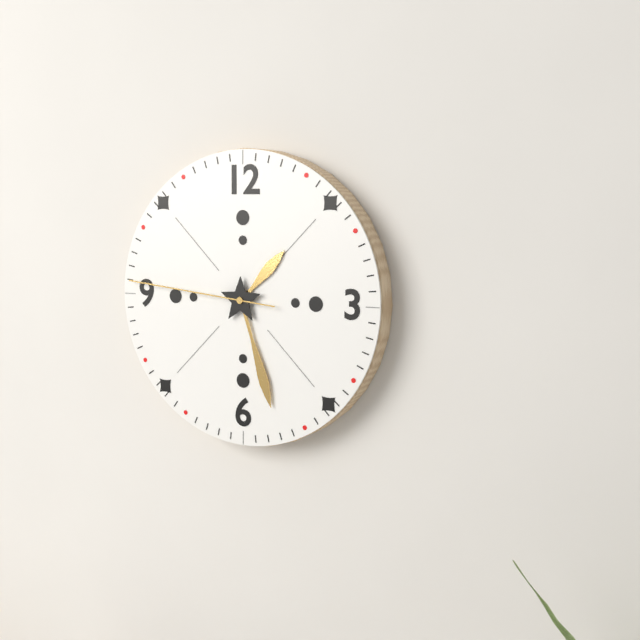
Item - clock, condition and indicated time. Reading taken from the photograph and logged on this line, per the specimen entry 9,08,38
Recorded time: 1,27,46
